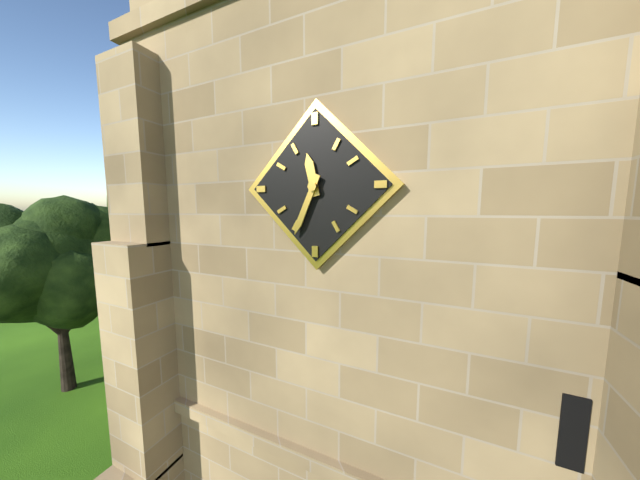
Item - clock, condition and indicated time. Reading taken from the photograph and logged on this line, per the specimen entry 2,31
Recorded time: 11,34
